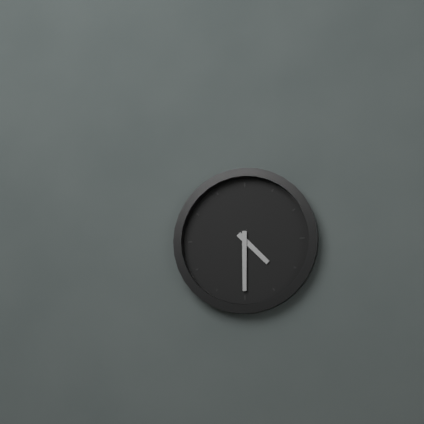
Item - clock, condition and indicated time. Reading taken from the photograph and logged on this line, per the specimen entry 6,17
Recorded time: 4,30
